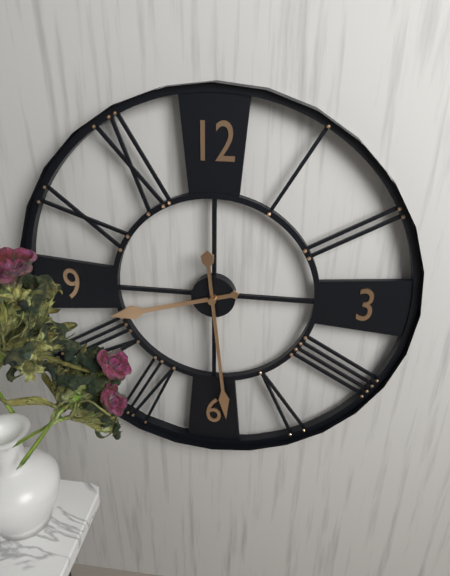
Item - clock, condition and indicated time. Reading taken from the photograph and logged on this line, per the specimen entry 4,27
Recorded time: 8,29
